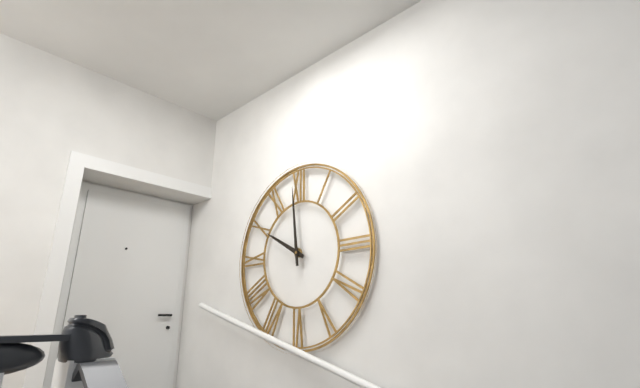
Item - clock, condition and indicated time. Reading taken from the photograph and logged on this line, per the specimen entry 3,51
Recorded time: 9,59
